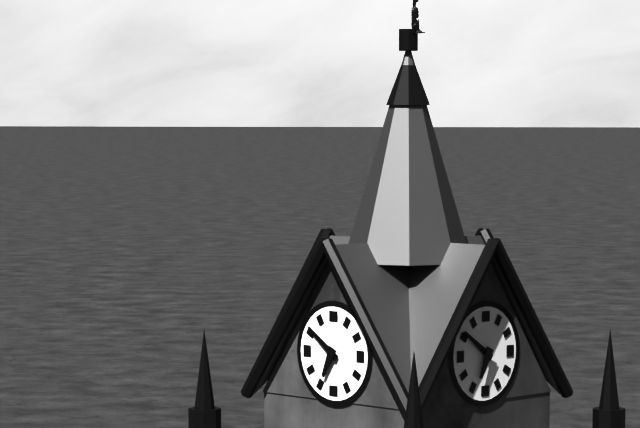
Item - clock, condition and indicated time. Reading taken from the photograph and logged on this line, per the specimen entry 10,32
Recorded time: 6,51
